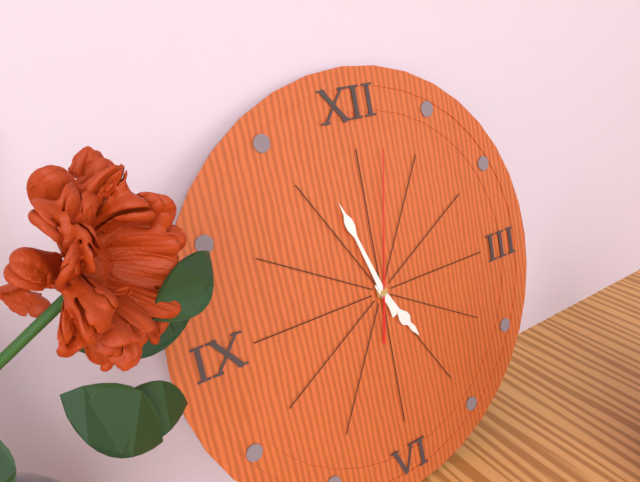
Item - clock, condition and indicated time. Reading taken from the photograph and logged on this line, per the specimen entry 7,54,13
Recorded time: 4,57,02
